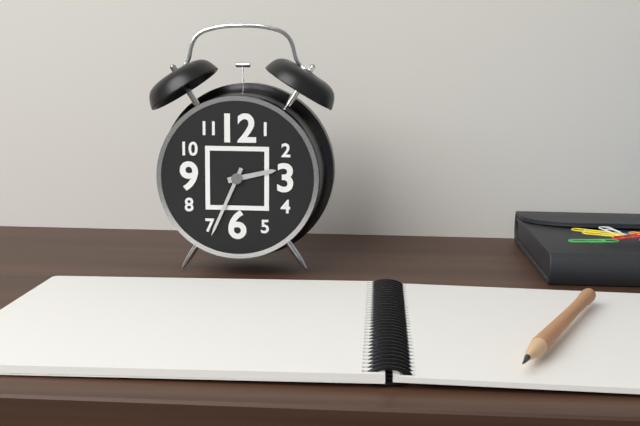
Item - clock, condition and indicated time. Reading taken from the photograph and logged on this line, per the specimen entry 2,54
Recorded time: 2,34
